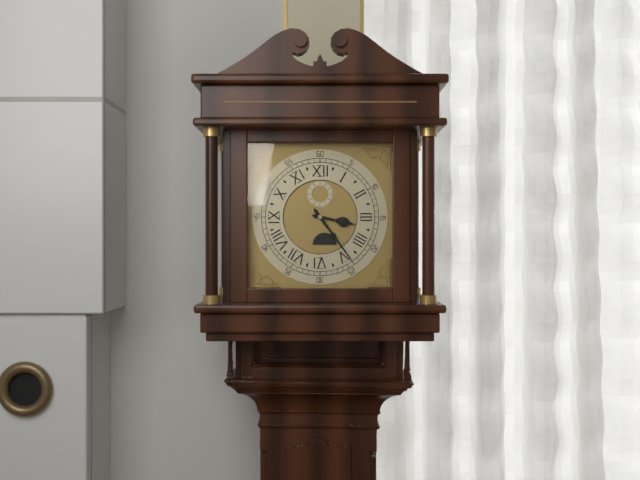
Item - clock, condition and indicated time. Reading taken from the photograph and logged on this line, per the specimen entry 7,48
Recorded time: 3,24
